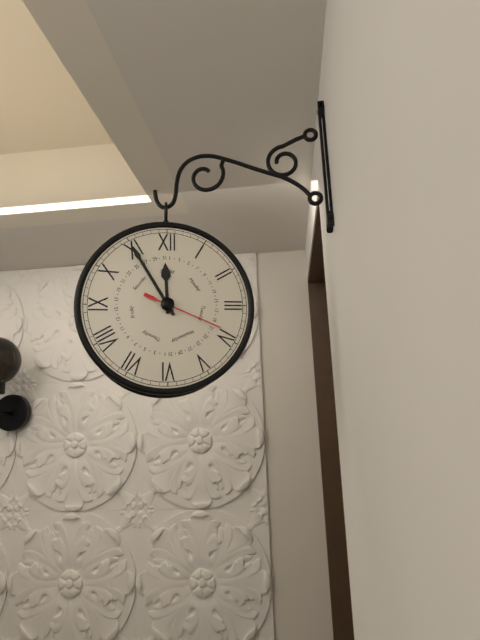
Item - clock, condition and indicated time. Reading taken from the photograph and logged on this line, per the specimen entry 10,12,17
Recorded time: 11,55,19
